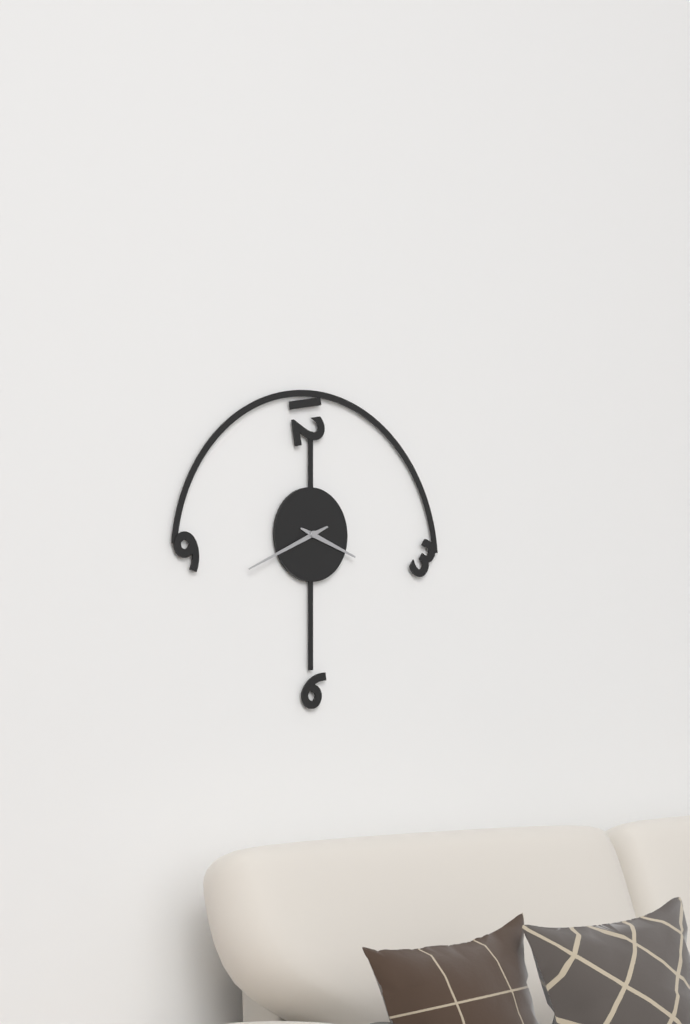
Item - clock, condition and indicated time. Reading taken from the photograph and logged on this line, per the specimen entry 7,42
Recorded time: 3,41
